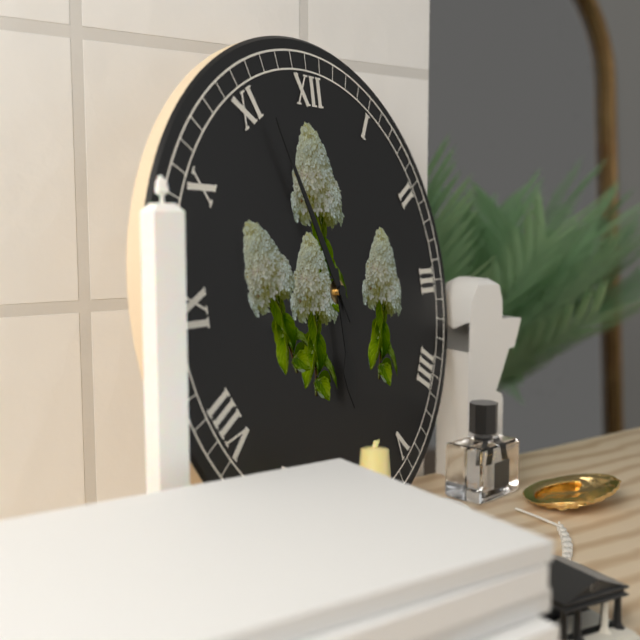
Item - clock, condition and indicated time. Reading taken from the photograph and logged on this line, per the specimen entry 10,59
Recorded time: 5,56
